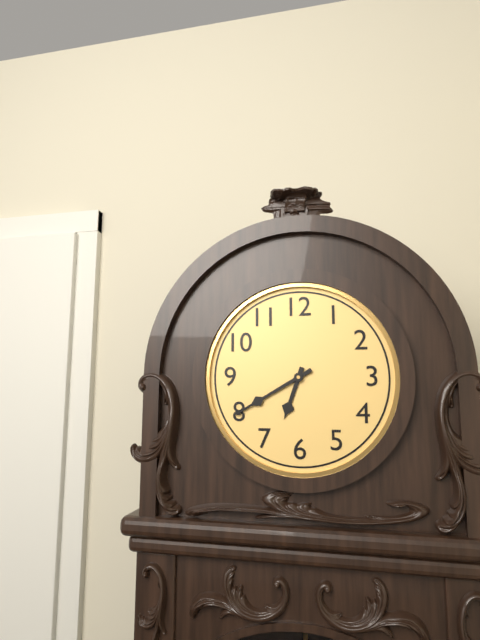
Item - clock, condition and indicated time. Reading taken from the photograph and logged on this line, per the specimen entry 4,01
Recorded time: 6,40
